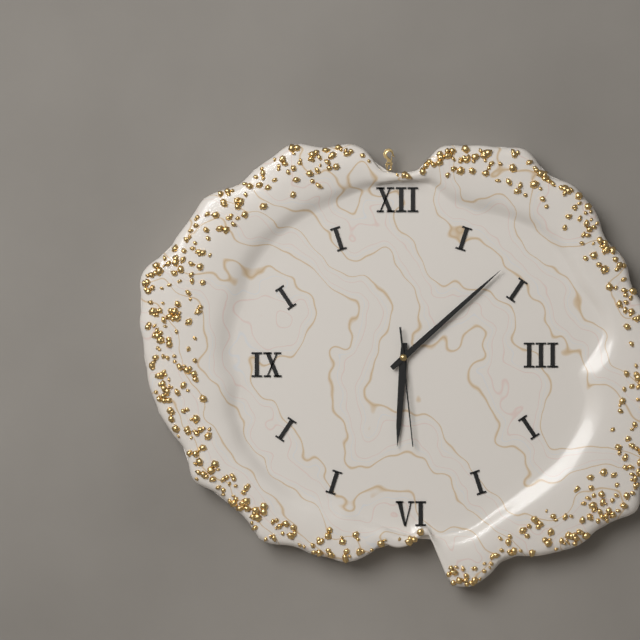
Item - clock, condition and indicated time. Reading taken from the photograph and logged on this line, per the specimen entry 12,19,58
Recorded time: 6,08,29
